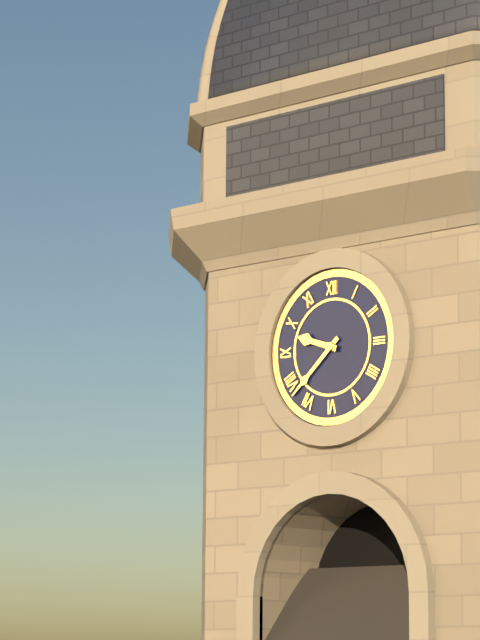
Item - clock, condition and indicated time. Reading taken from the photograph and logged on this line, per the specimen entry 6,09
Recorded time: 9,38
